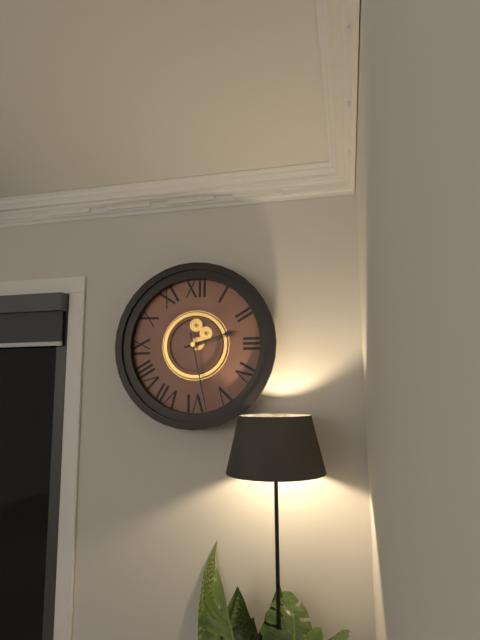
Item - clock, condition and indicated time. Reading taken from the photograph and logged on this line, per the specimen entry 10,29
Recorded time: 2,28
